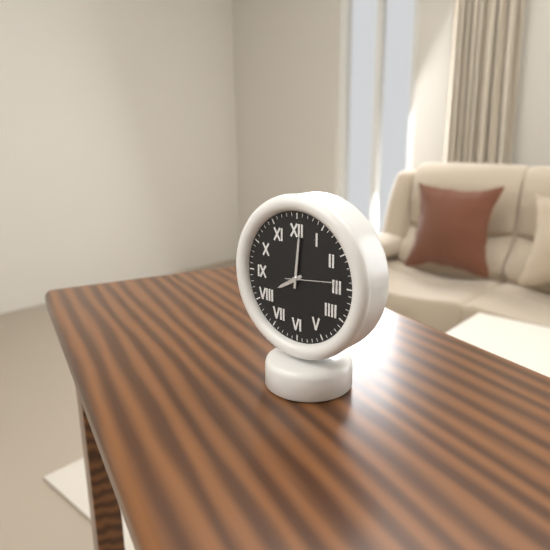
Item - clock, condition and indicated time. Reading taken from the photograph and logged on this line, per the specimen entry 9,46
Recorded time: 8,01
